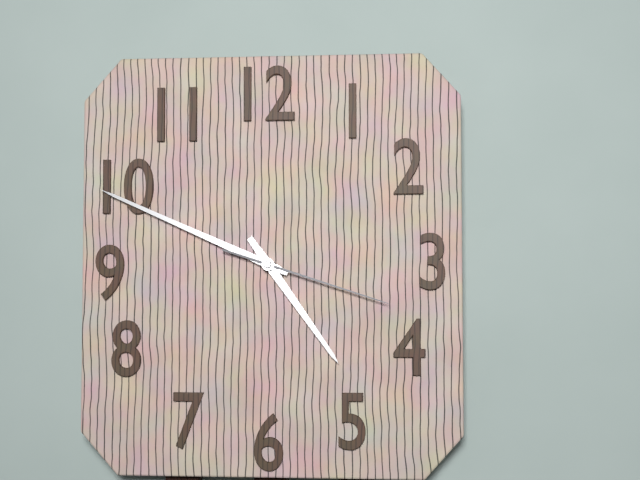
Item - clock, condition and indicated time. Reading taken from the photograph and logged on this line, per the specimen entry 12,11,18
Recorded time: 4,49,18
